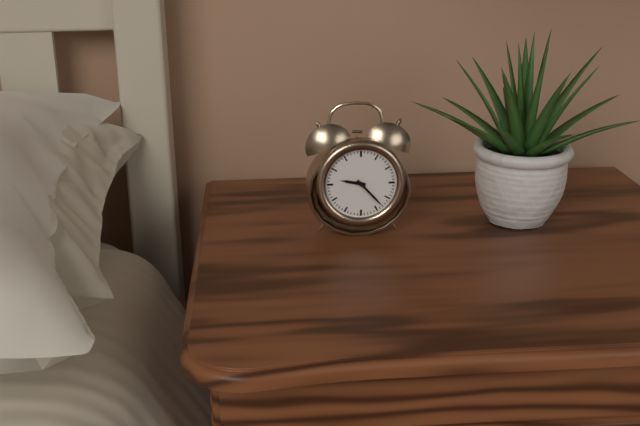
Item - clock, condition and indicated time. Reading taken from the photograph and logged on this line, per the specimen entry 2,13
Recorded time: 9,23
